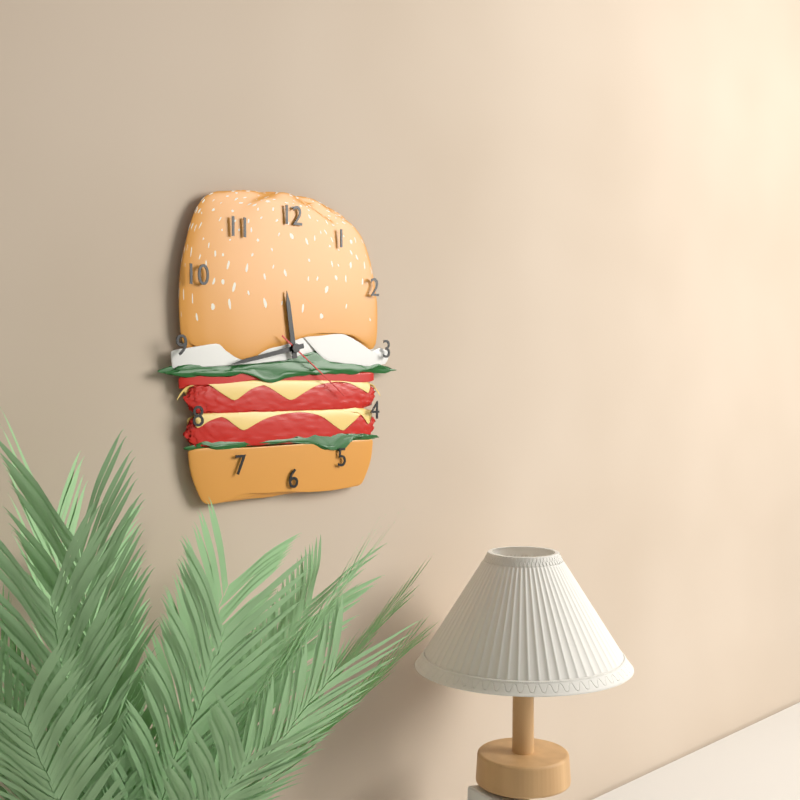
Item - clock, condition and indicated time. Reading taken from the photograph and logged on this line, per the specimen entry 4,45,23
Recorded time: 11,43,21
